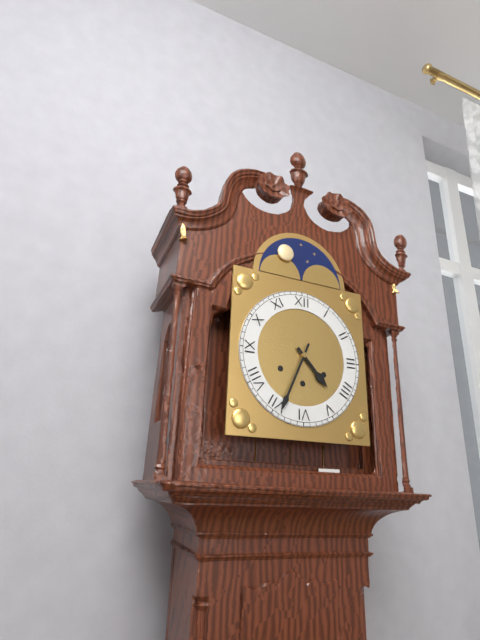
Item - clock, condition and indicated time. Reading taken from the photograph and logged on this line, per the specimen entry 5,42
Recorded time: 4,34
